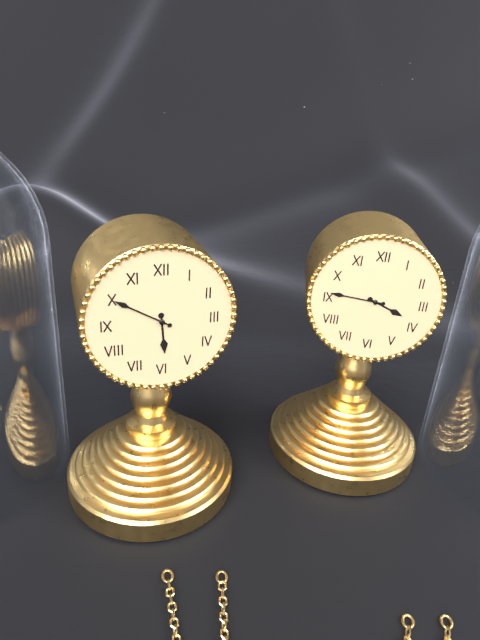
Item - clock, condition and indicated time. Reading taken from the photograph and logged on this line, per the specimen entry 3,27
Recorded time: 5,50
